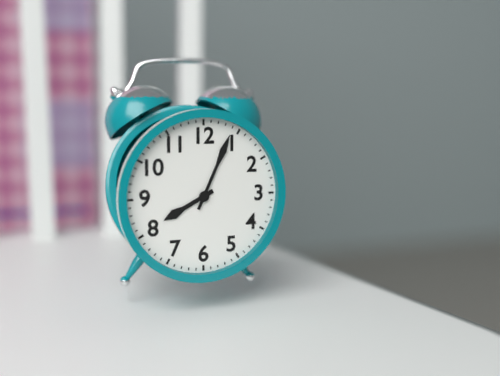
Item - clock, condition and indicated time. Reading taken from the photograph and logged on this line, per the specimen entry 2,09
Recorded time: 8,04
